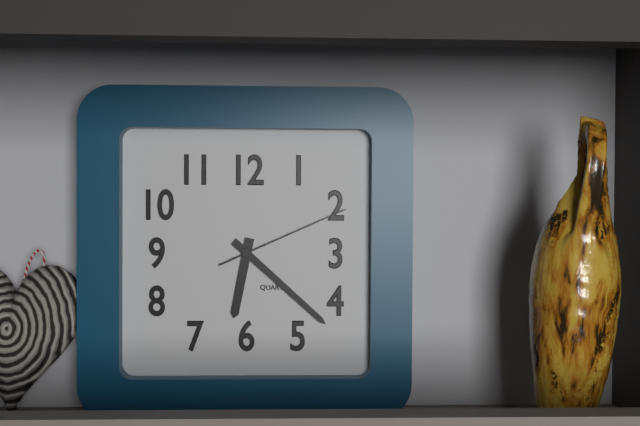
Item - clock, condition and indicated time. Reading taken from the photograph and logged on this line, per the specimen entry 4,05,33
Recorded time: 6,22,11
